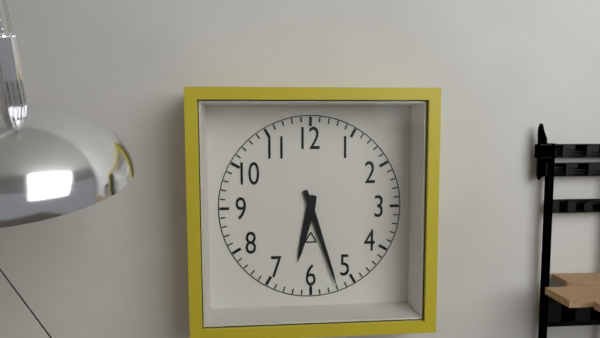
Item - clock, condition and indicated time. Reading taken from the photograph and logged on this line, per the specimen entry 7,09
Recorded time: 6,27
